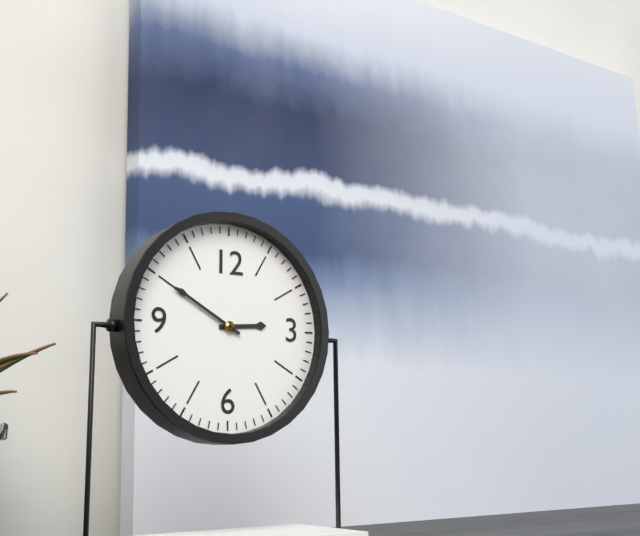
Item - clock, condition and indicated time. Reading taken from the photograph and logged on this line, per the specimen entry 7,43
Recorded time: 2,50
